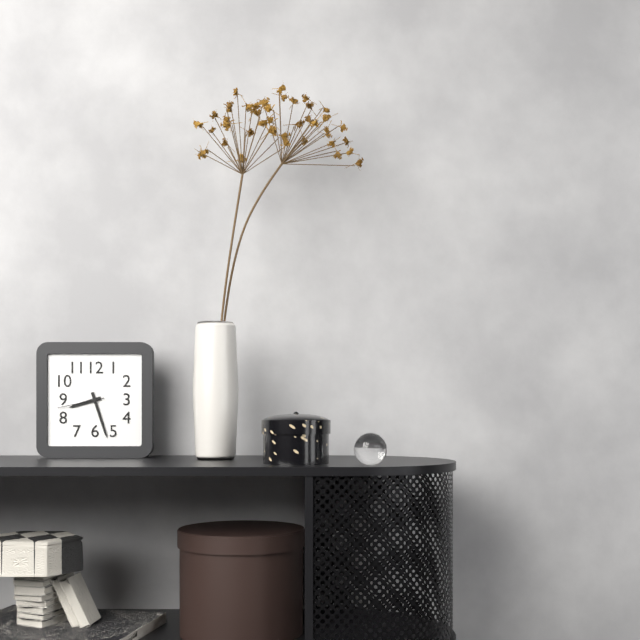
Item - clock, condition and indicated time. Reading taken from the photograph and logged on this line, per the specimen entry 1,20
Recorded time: 8,27
